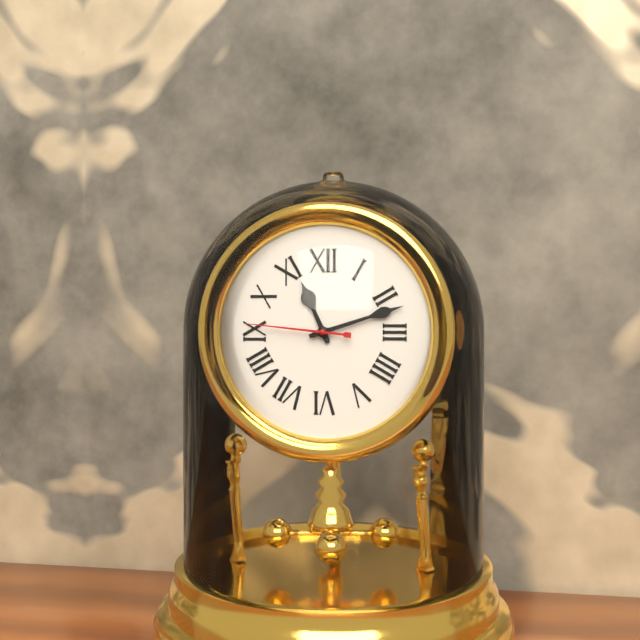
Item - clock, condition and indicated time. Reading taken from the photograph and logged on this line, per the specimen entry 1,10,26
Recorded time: 11,12,46
